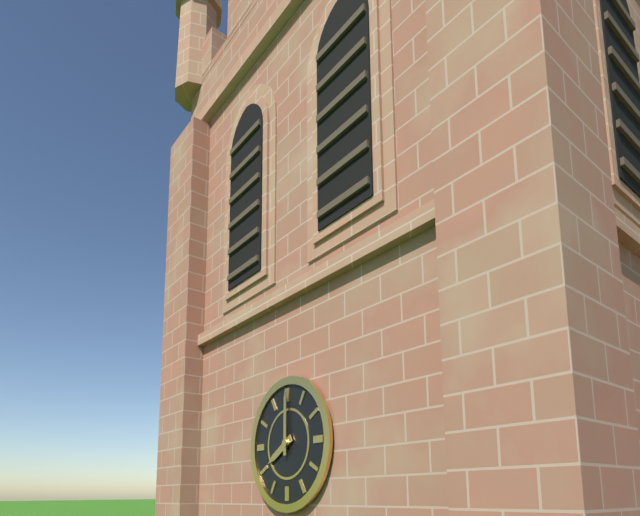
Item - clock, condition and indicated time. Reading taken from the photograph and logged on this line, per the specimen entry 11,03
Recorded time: 8,00
